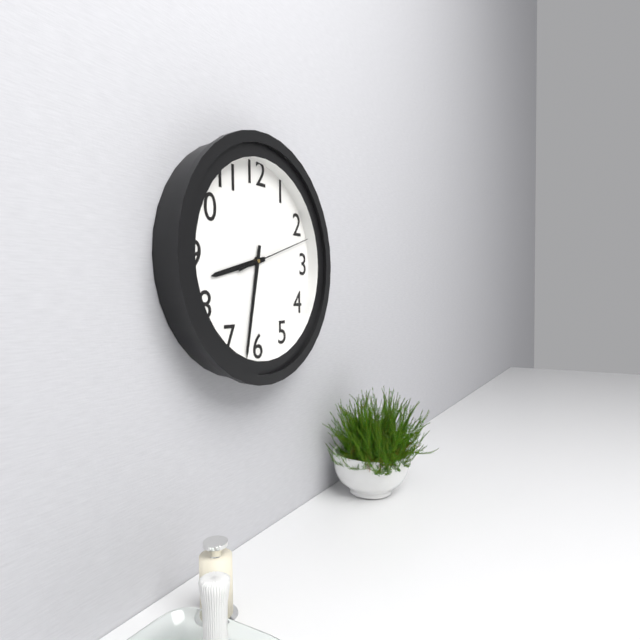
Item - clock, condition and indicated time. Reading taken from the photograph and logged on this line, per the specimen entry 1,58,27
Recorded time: 8,32,12
